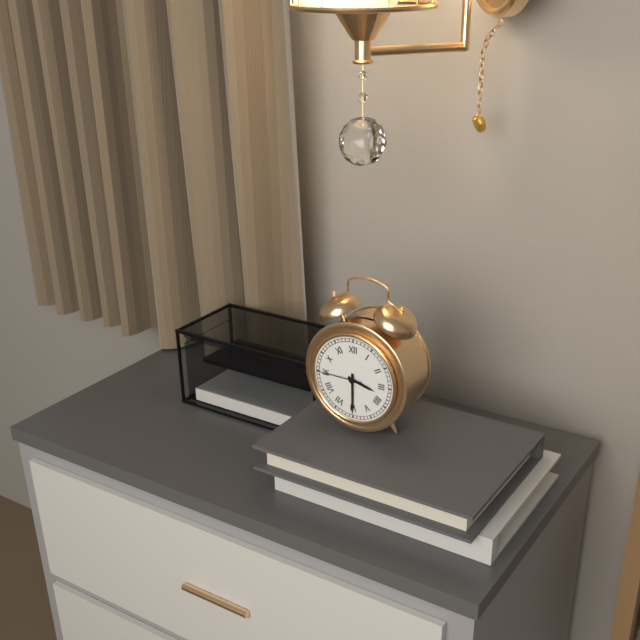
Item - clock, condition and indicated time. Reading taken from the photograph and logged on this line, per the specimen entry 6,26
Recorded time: 3,30
